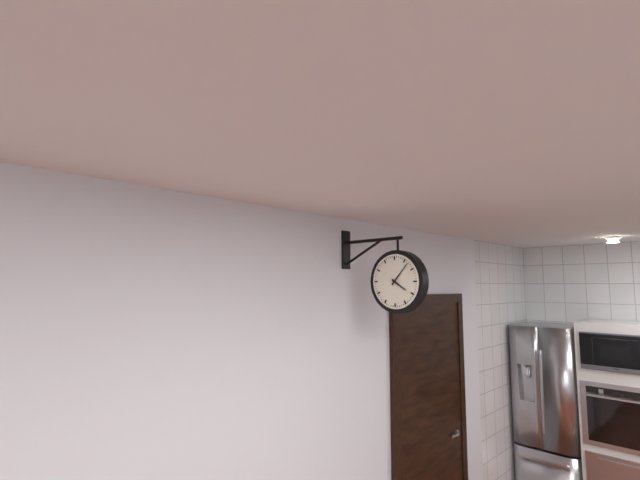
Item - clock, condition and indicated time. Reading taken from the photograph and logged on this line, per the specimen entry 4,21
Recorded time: 4,07
